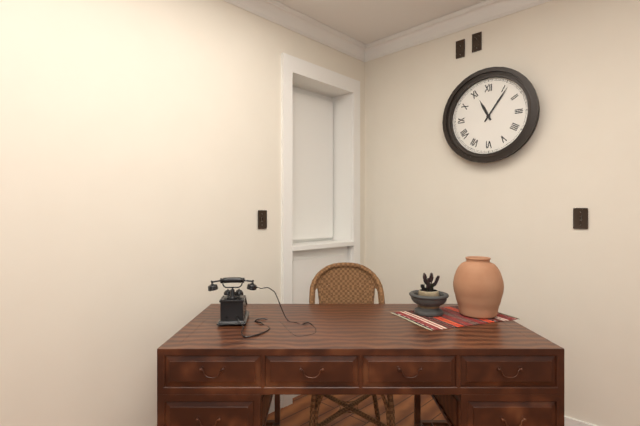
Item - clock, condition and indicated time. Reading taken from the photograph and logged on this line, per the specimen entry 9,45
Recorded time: 11,06
